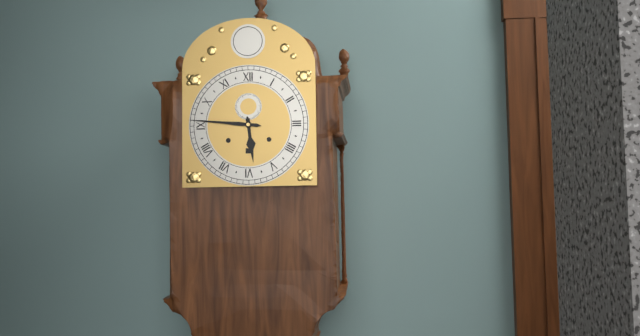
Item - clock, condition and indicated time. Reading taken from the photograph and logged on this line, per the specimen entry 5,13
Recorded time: 5,46
